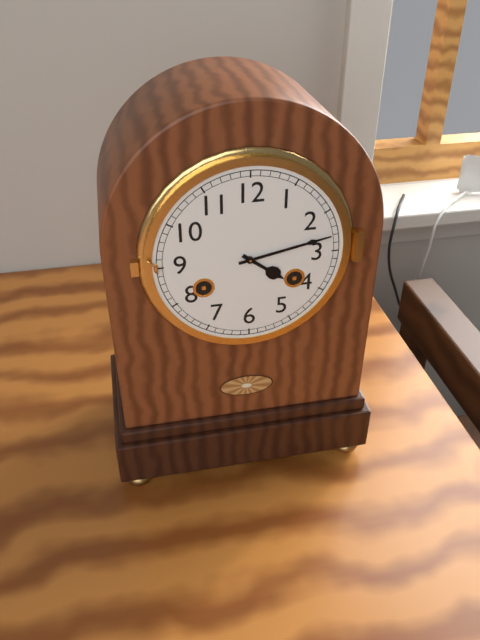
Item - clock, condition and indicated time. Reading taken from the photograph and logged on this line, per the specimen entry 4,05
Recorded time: 4,13
